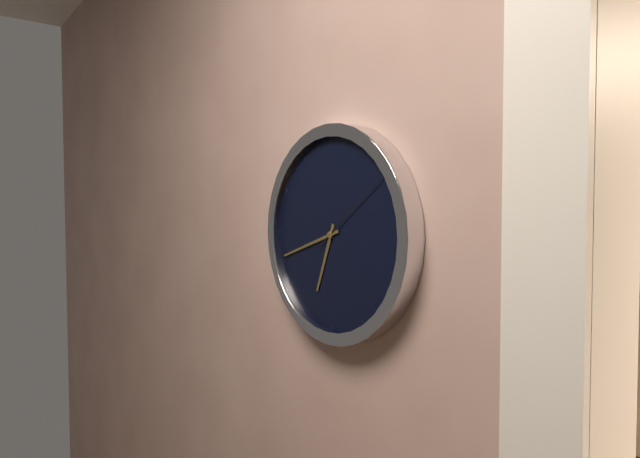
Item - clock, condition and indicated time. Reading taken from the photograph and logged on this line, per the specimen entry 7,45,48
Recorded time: 6,42,09
